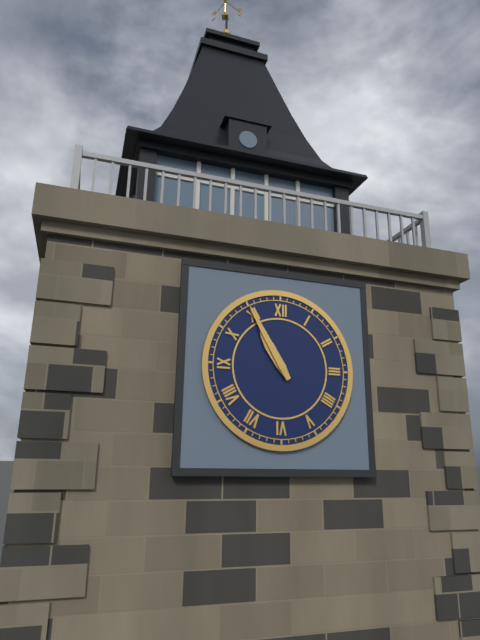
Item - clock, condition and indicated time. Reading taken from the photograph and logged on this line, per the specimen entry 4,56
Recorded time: 10,55
